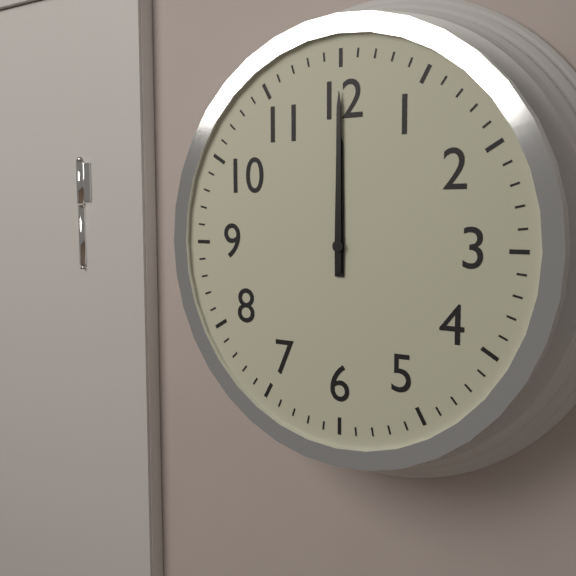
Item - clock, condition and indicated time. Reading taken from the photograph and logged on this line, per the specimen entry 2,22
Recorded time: 12,00
